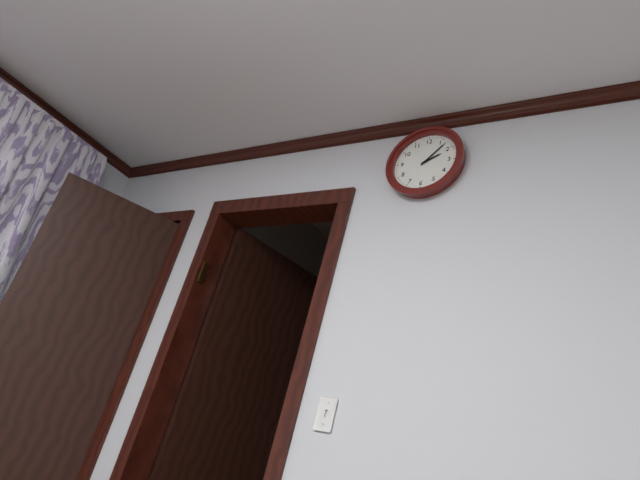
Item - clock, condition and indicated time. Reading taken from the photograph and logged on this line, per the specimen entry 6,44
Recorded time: 2,07
